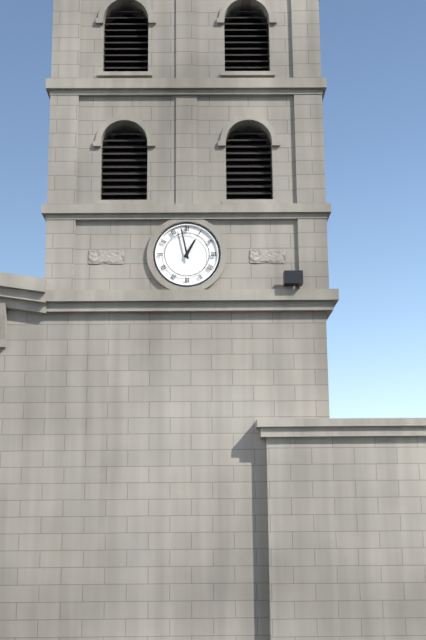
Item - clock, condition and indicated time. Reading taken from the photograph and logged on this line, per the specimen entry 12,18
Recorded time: 12,58
